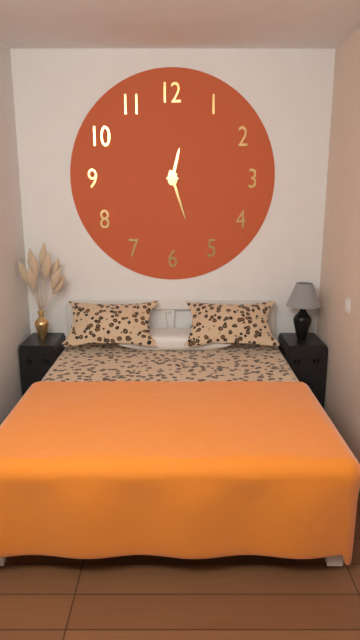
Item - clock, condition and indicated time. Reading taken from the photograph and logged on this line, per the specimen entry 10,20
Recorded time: 12,27
